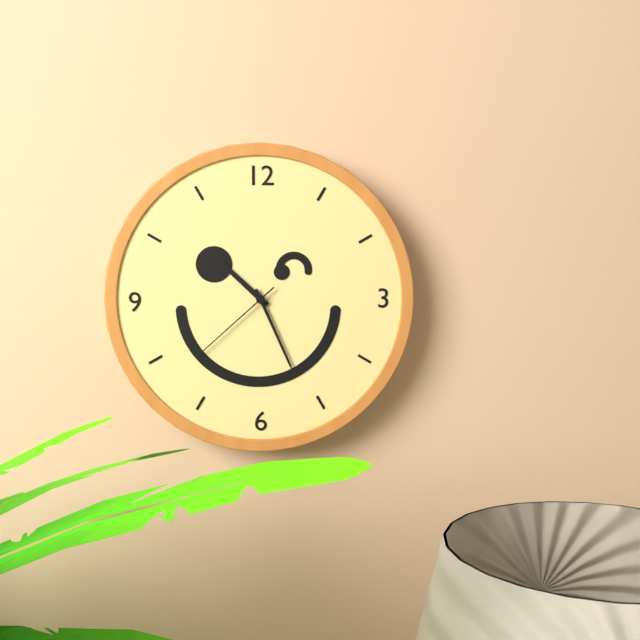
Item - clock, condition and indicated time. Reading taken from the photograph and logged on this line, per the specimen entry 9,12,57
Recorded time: 10,26,38
